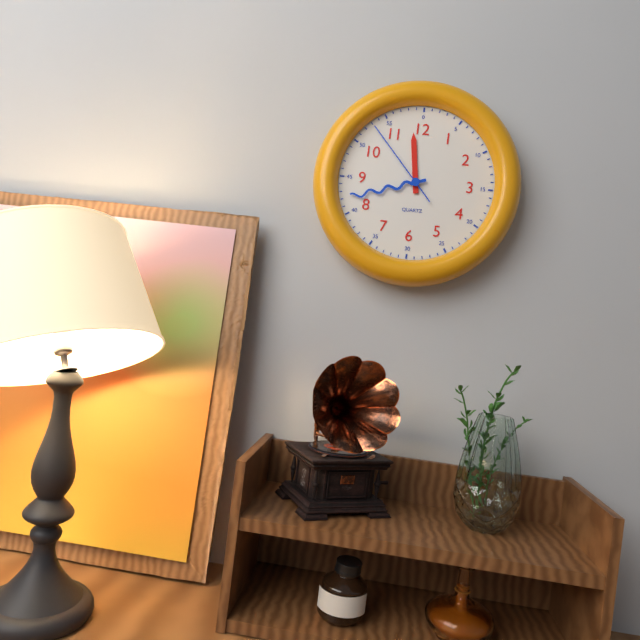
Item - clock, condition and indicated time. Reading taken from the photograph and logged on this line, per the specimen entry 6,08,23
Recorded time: 11,42,53
